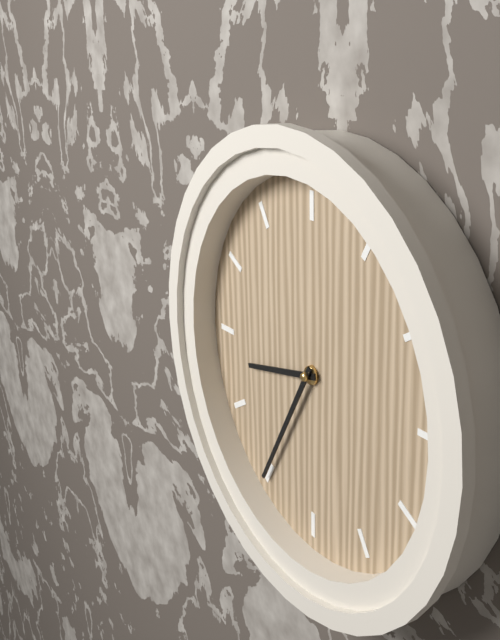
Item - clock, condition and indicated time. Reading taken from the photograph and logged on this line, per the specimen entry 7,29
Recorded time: 8,35
